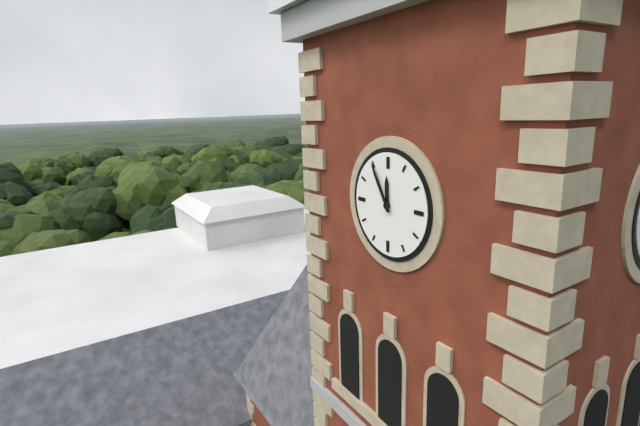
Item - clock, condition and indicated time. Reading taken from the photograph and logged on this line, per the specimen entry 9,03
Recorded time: 11,55
